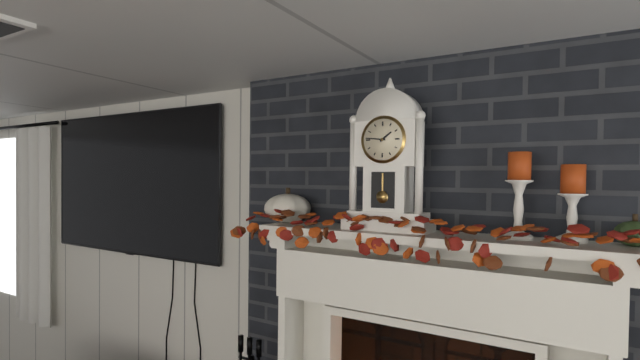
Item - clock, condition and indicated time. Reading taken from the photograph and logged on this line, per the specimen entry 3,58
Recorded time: 1,46
